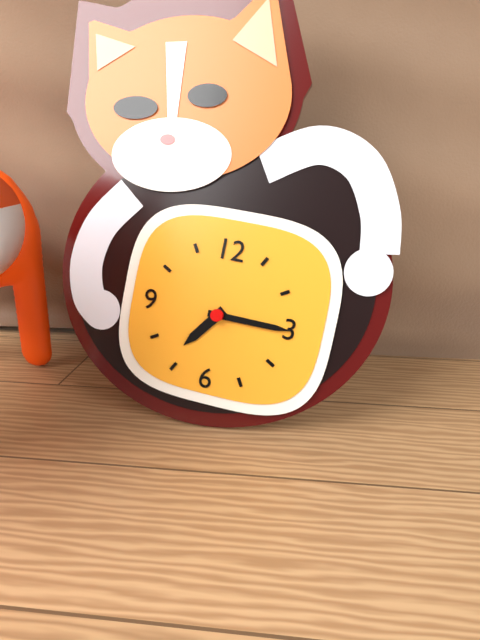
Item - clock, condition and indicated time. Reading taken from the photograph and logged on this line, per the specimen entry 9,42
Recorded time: 7,15
